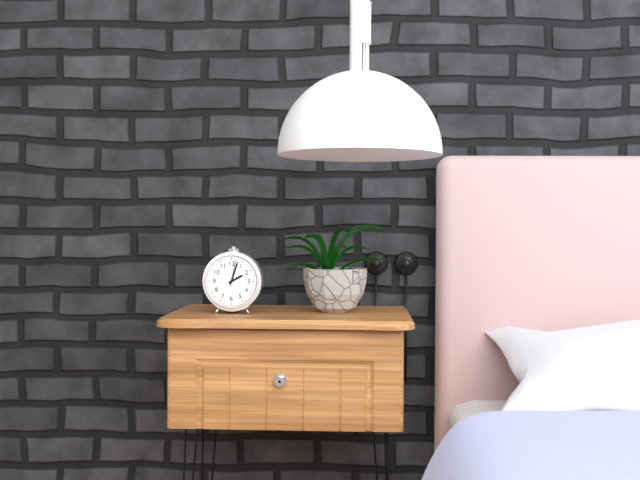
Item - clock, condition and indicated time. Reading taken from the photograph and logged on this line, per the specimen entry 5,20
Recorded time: 2,03
